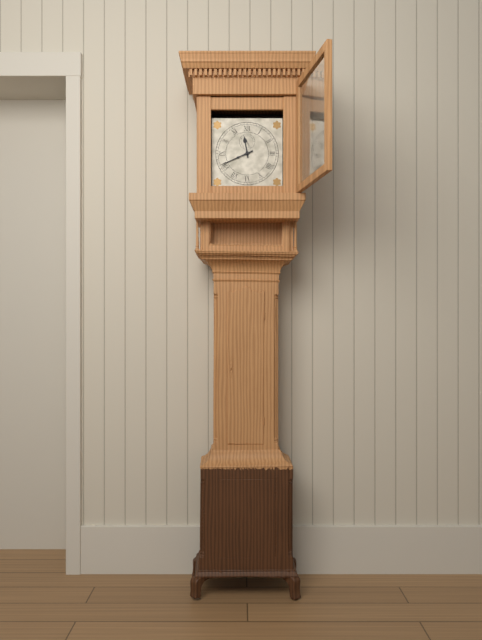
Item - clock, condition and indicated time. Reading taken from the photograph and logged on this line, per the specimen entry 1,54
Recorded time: 11,41
